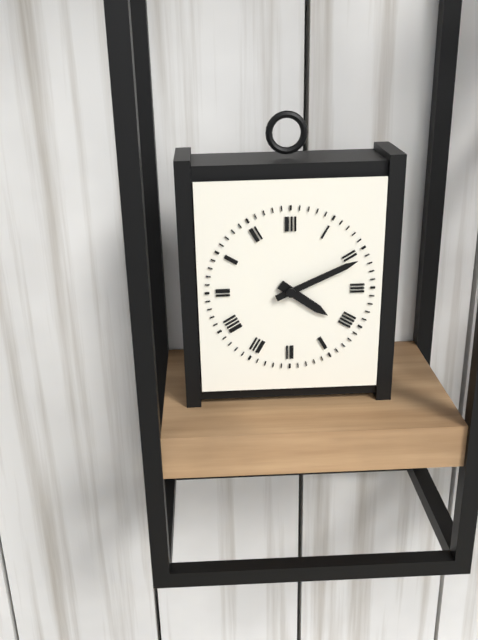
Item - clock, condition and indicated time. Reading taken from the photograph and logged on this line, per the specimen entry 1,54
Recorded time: 4,11
